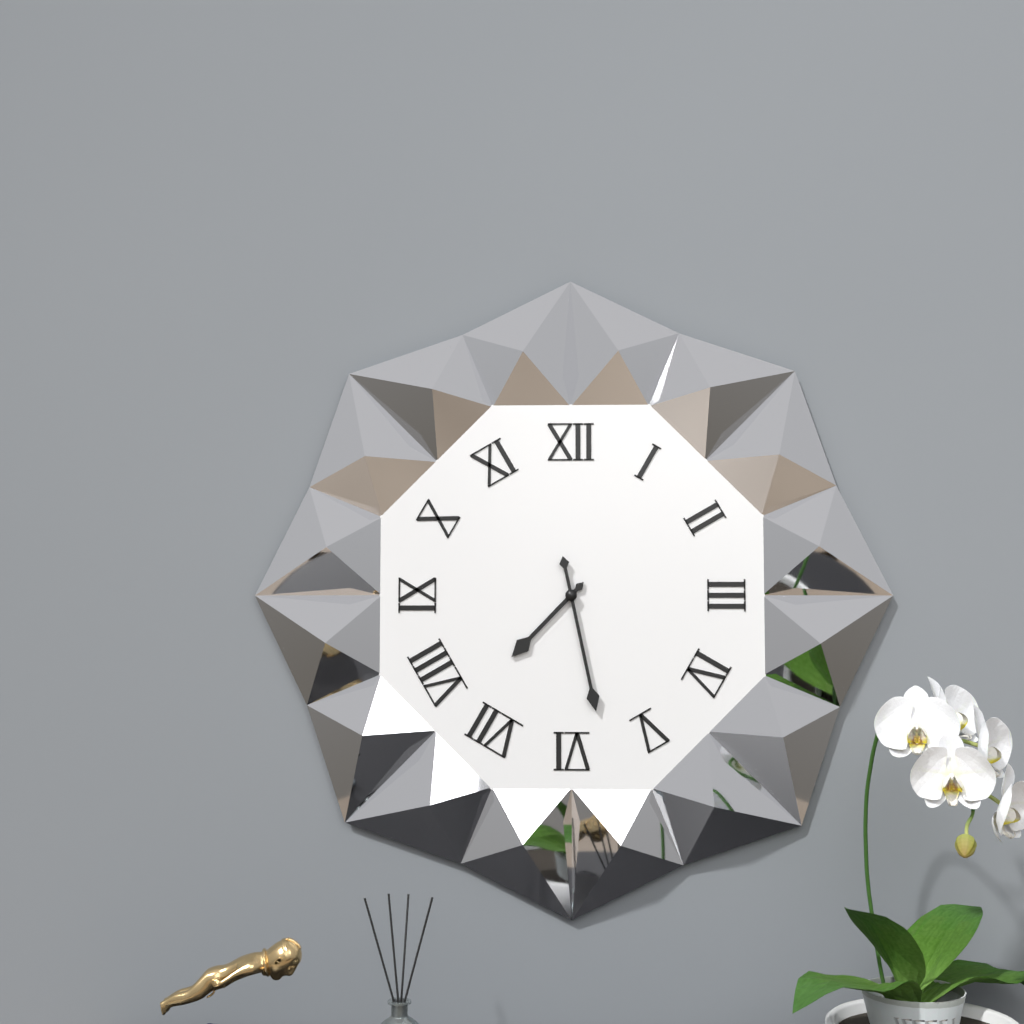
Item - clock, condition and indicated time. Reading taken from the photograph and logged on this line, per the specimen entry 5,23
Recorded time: 7,28
